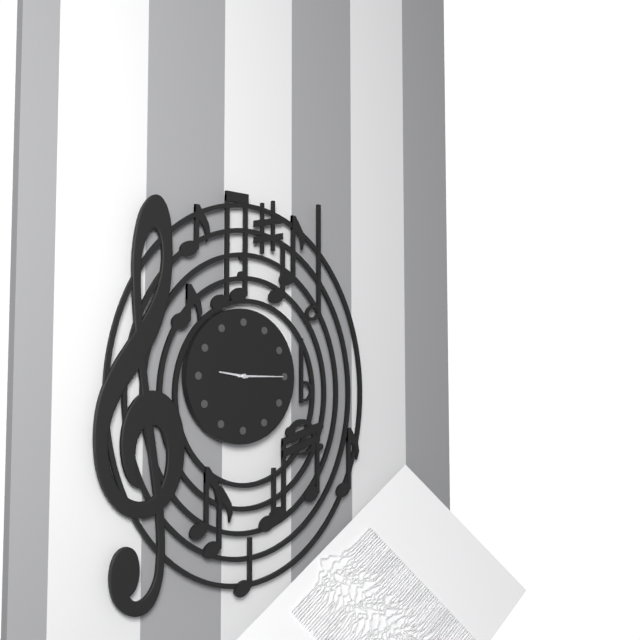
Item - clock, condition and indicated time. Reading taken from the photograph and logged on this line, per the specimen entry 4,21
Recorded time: 9,15
